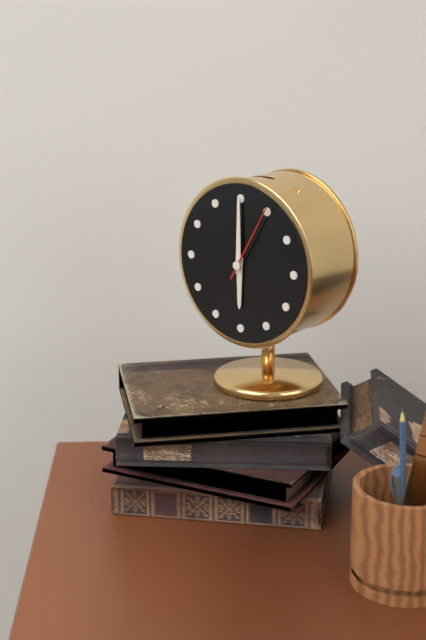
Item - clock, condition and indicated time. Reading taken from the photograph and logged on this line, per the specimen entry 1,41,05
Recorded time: 6,00,05
